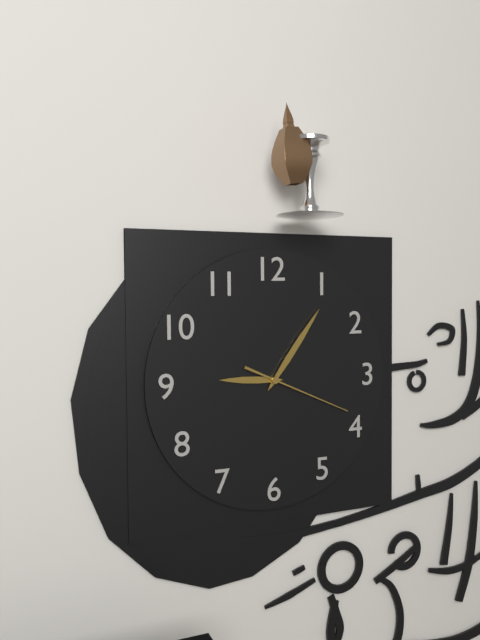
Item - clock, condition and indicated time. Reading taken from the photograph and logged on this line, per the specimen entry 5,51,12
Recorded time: 9,06,19
